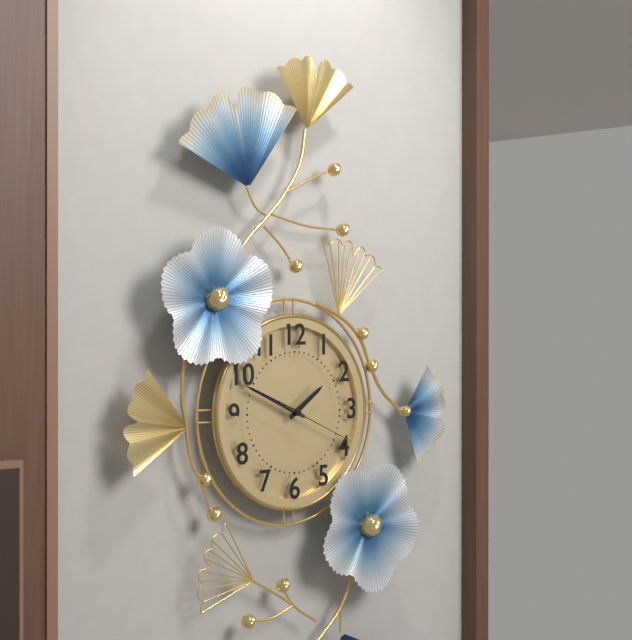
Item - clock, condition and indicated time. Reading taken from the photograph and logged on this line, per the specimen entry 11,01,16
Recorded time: 1,49,19
